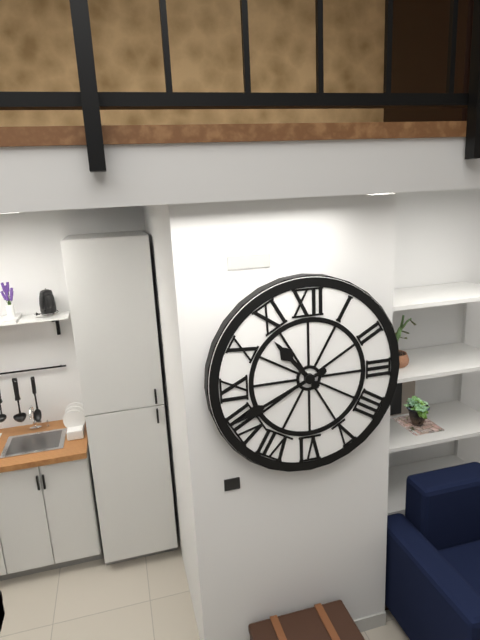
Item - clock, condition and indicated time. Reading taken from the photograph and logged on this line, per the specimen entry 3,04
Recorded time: 10,41
